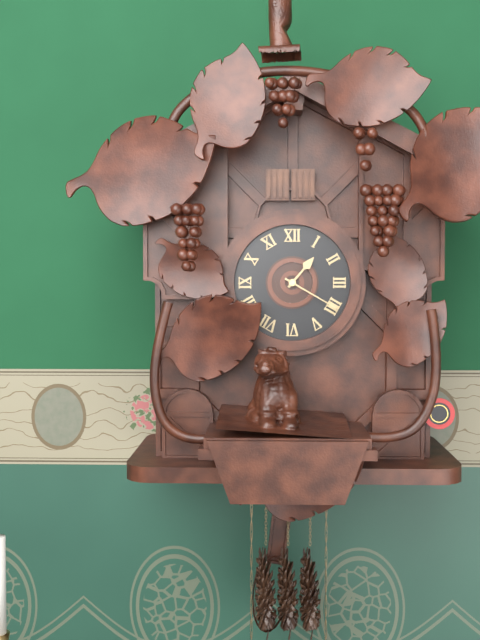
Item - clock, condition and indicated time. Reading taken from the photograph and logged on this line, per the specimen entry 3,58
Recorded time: 1,20
